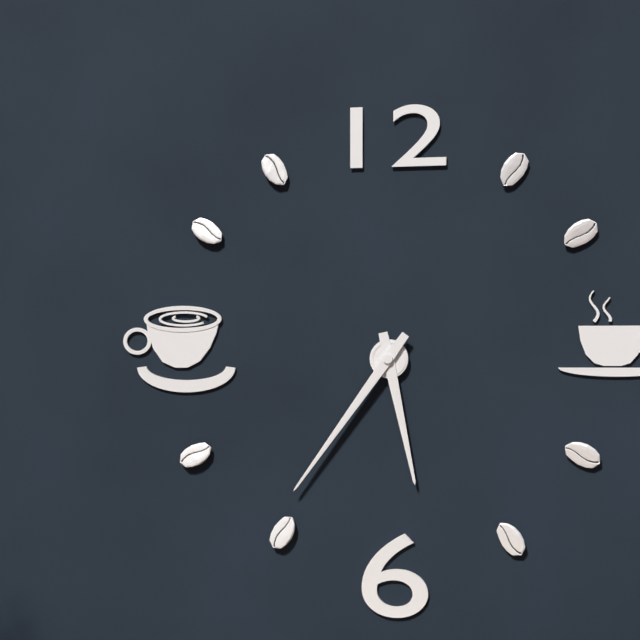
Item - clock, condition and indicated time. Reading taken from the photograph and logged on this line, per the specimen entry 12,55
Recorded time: 5,36
